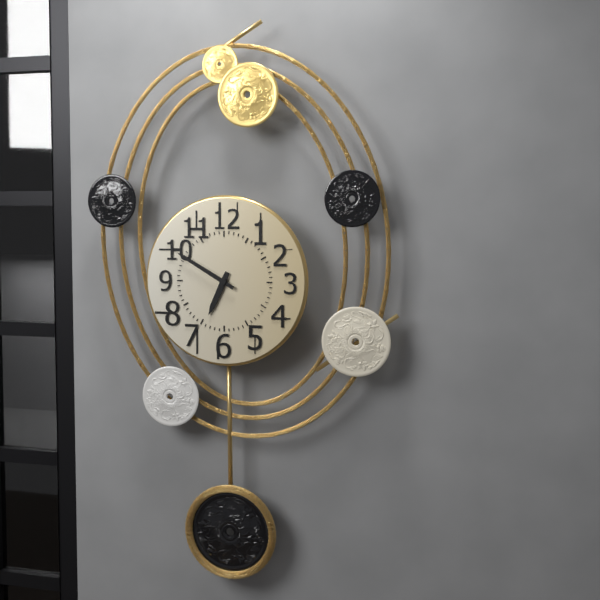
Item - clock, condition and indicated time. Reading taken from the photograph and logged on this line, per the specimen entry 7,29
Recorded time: 6,50
